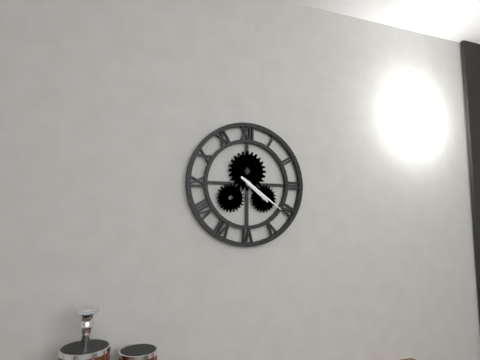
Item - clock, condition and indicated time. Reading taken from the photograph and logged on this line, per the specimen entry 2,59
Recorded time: 4,21
